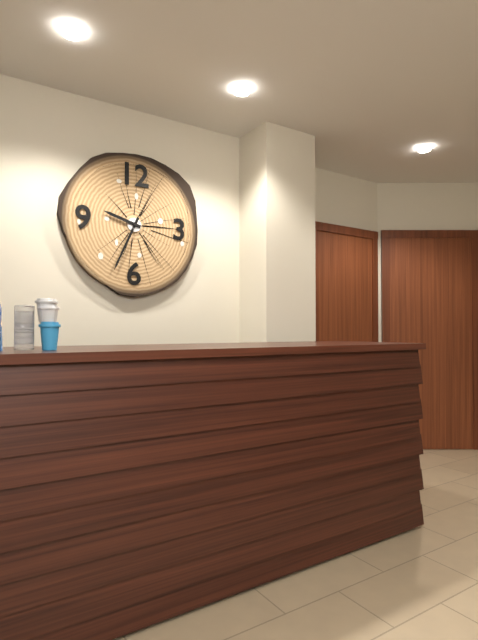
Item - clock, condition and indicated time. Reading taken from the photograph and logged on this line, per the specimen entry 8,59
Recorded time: 9,34
